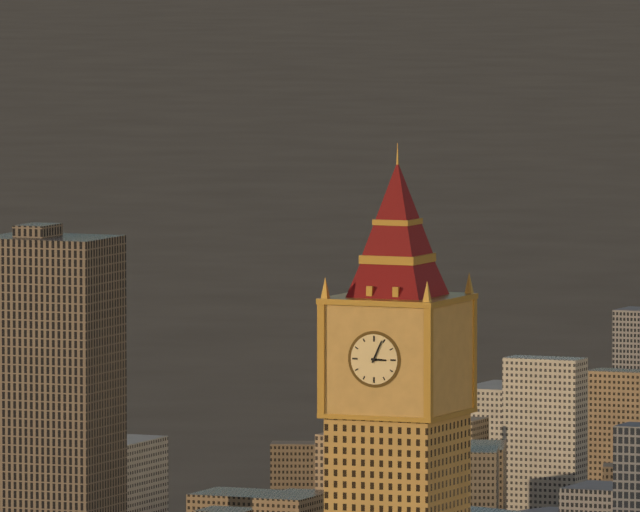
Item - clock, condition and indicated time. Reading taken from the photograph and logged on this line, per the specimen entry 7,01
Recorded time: 3,04
